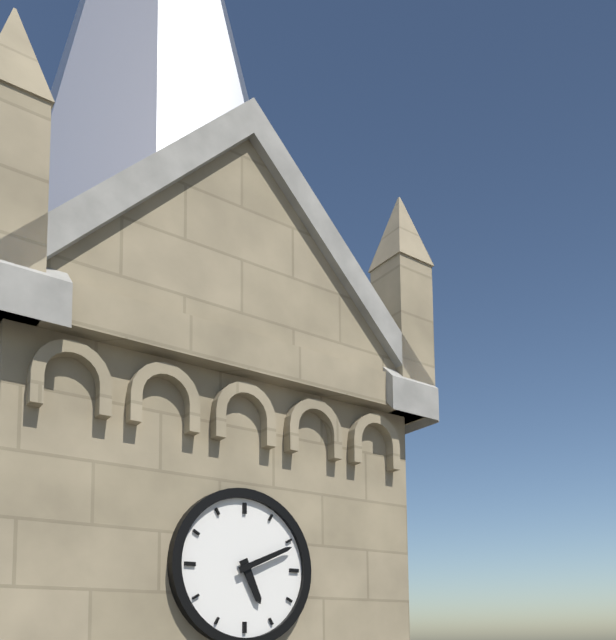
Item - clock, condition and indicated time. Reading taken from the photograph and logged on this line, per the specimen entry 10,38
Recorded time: 5,11
